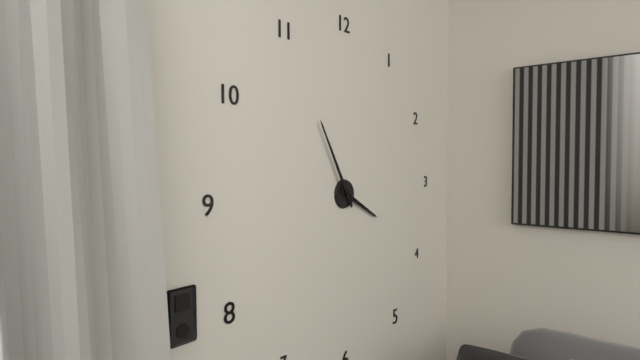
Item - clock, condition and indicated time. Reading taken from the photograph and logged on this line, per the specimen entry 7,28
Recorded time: 3,55
